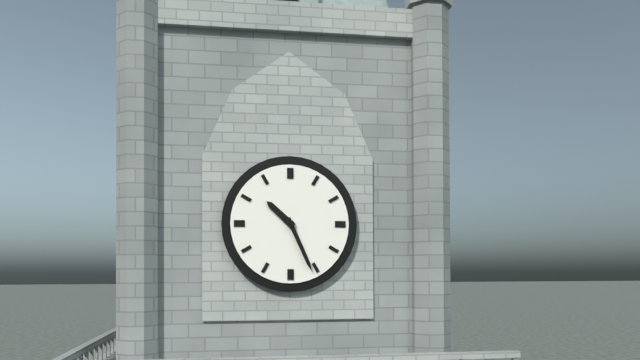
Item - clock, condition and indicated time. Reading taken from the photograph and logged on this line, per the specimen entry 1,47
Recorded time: 10,26
